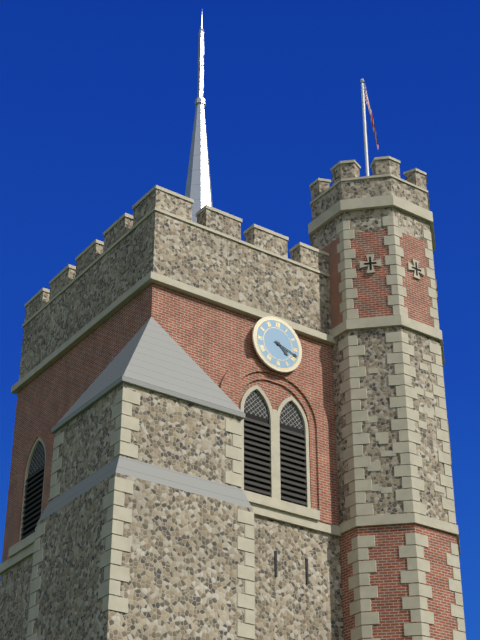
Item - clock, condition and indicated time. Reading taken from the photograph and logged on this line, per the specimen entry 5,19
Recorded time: 4,18
